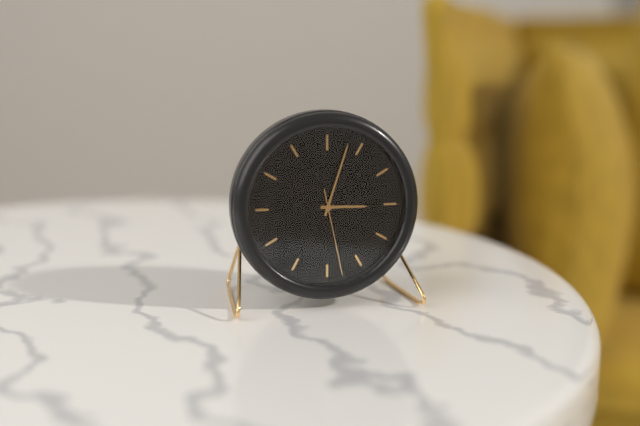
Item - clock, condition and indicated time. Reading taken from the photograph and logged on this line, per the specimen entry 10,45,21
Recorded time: 3,03,28
